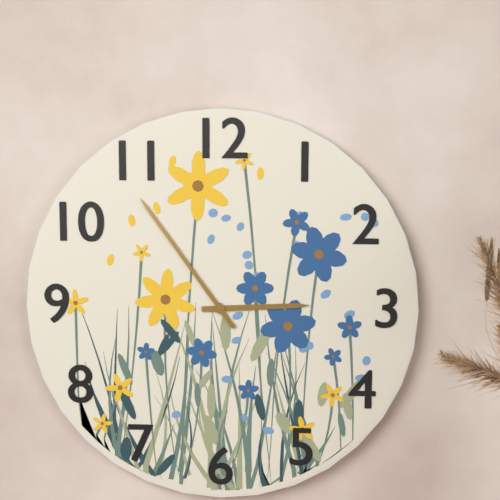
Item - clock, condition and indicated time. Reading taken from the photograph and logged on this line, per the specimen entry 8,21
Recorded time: 2,54
